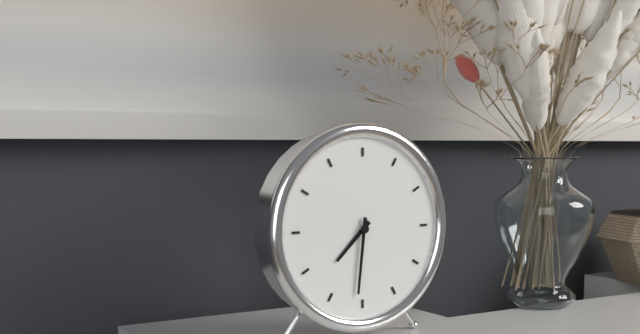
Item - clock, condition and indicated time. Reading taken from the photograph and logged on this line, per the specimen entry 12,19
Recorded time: 7,31
